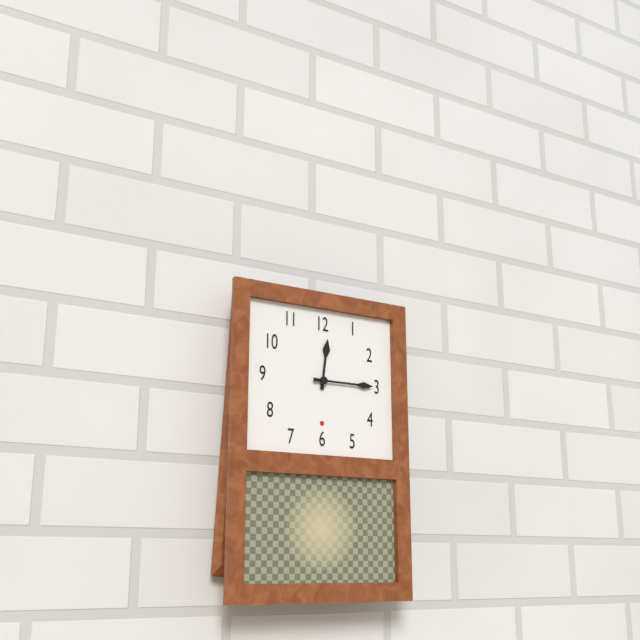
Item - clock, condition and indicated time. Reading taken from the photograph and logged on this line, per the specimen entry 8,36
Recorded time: 12,15
